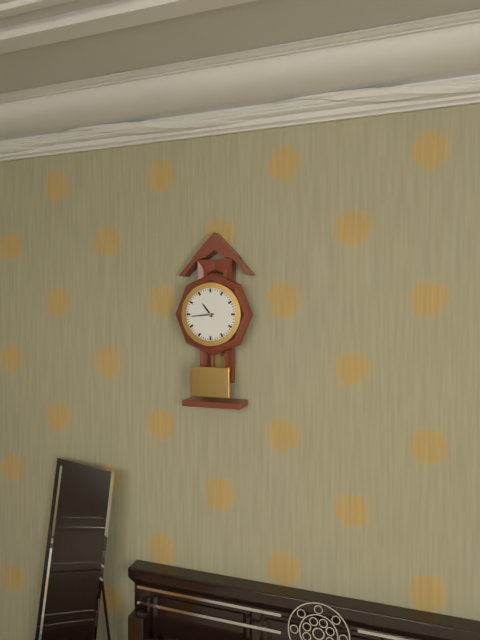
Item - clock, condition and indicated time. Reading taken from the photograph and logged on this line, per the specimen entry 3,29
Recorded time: 10,44
